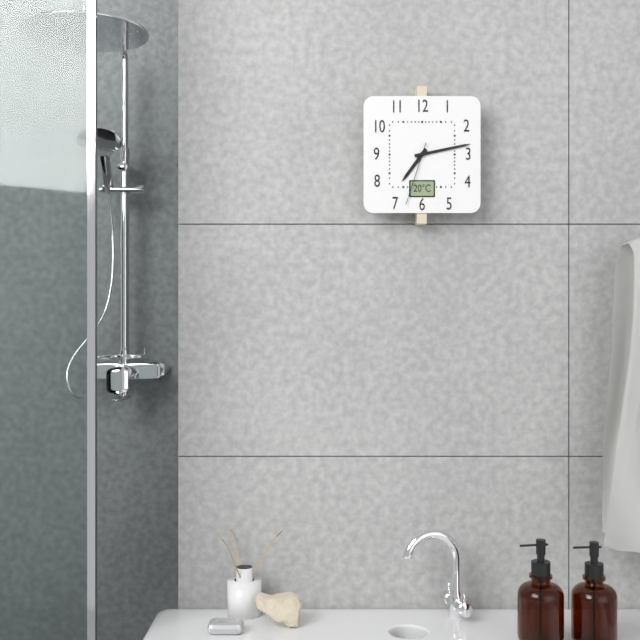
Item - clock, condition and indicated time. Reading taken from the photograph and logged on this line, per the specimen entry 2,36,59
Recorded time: 7,13,33
